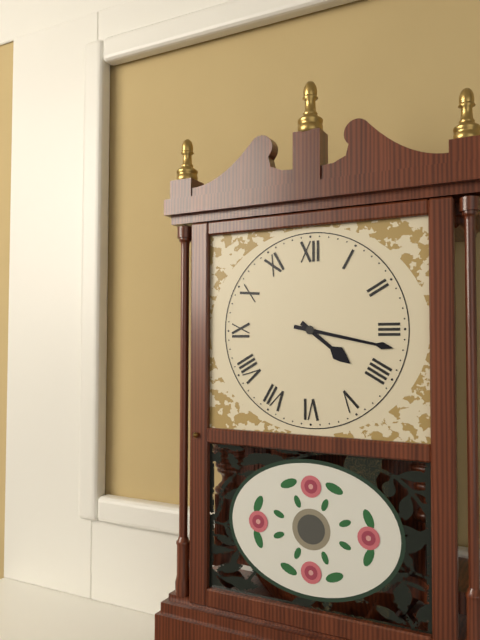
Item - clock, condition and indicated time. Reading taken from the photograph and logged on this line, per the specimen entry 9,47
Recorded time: 4,17
